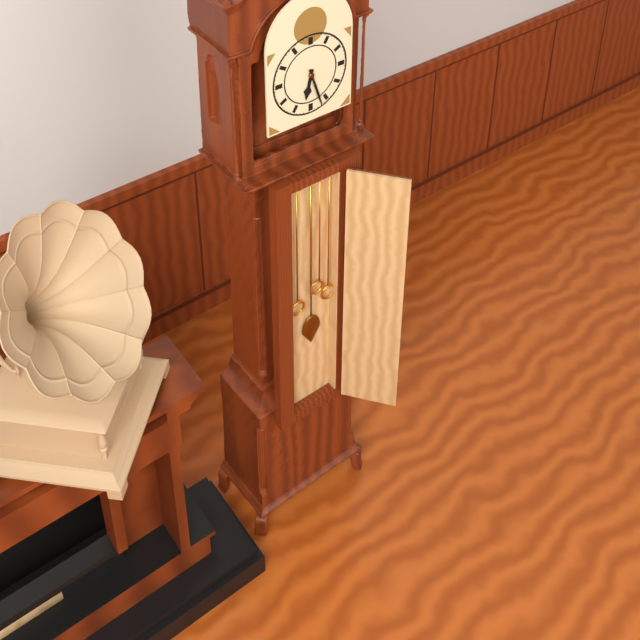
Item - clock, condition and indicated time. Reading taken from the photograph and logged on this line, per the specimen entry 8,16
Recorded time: 6,27
